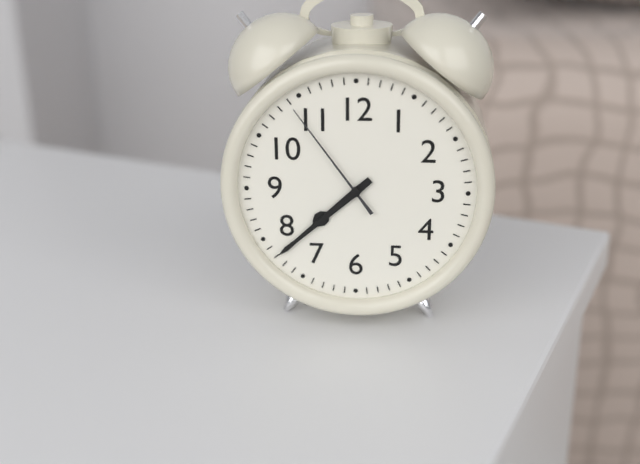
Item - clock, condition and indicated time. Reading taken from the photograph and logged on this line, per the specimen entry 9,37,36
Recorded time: 7,38,54
